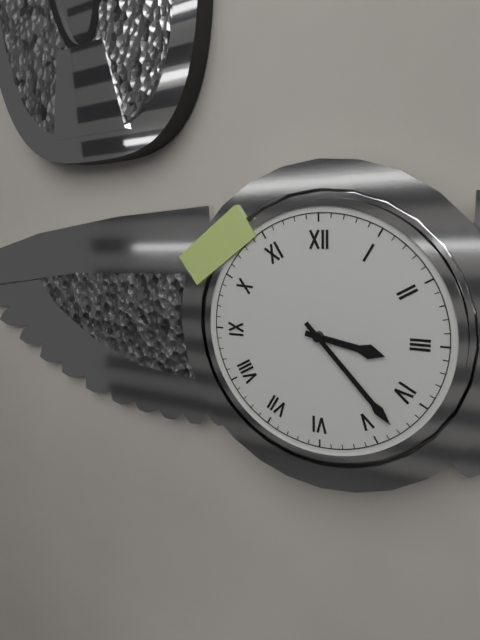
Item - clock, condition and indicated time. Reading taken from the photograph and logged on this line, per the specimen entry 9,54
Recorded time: 3,23
